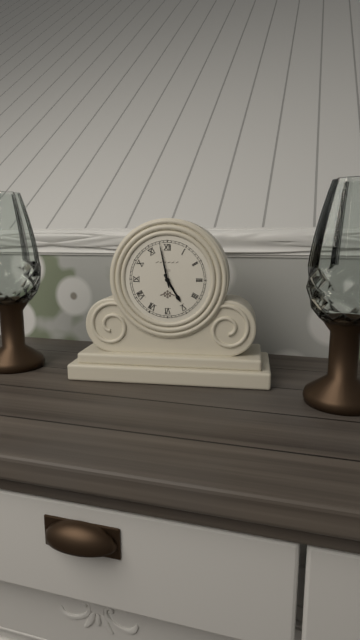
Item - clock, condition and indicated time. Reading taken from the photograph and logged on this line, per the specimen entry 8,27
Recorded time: 4,58
